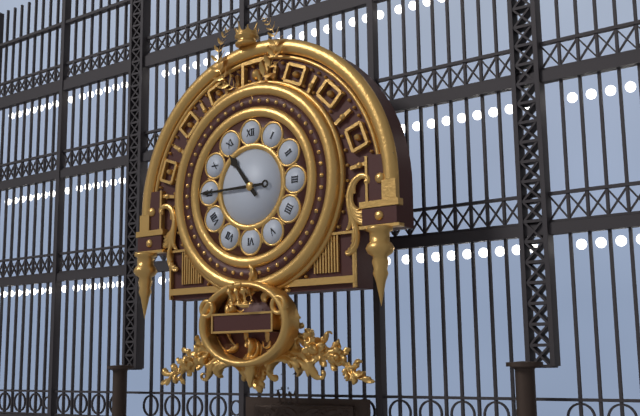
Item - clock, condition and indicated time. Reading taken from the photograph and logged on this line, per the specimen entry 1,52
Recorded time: 10,45
